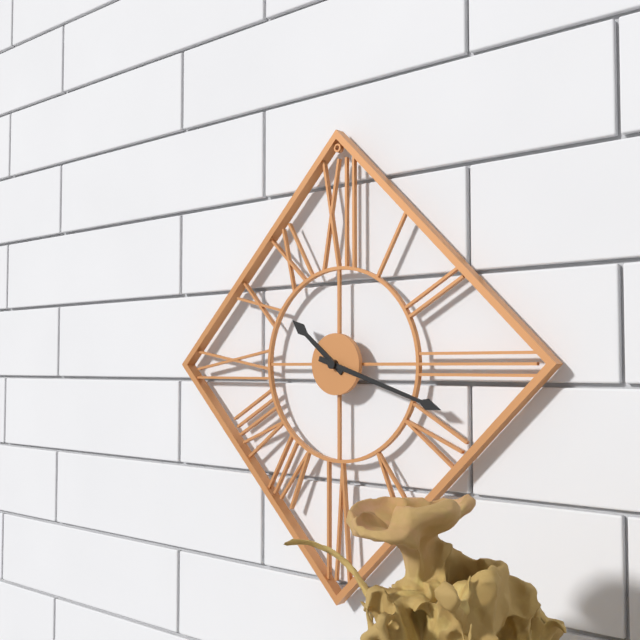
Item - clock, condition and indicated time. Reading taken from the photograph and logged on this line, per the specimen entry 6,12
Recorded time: 10,18
